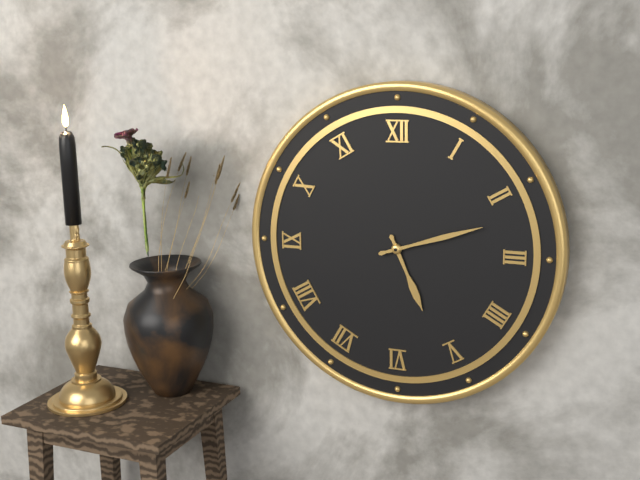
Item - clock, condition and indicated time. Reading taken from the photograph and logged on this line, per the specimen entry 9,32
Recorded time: 5,12
